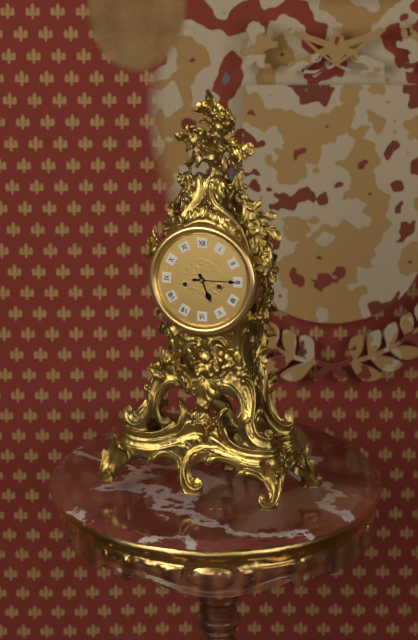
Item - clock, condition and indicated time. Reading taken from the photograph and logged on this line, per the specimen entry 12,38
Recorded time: 5,15
